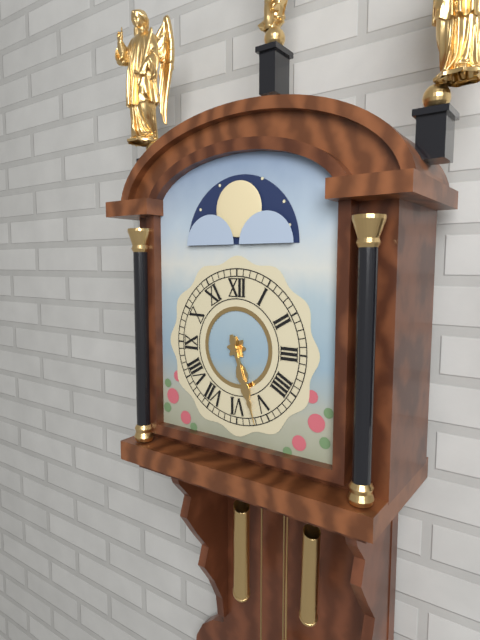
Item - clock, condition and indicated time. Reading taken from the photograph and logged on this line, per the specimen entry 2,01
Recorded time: 5,27
